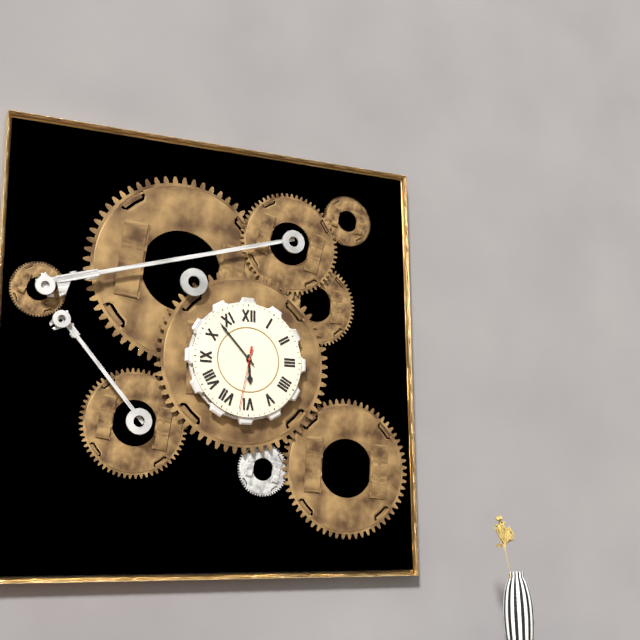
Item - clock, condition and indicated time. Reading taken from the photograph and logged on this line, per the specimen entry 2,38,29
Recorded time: 5,53,32
